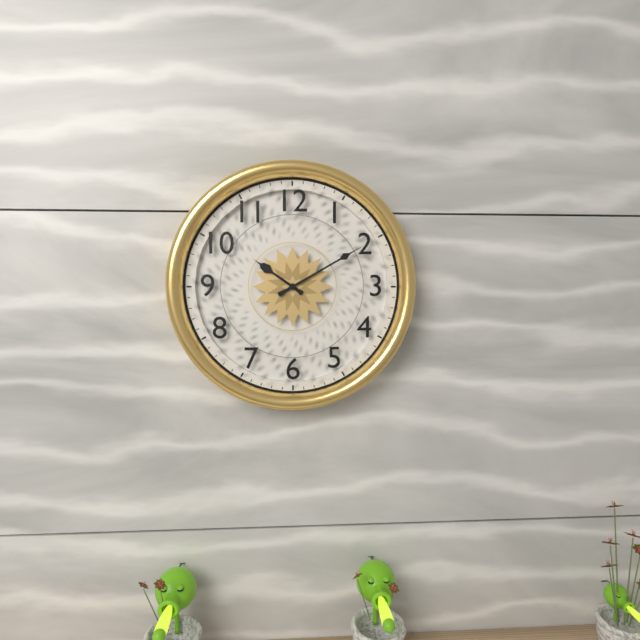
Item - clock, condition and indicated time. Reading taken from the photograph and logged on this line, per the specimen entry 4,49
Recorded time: 10,10
